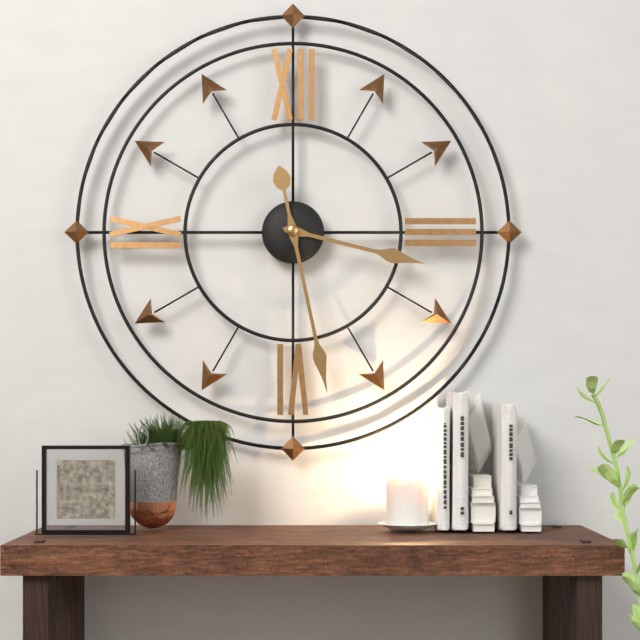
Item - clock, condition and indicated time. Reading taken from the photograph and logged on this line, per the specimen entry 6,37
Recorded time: 3,28
